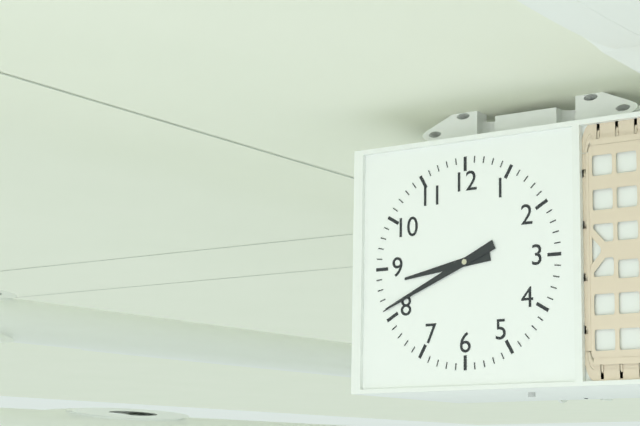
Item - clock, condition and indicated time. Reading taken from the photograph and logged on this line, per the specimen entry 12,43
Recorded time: 8,41
